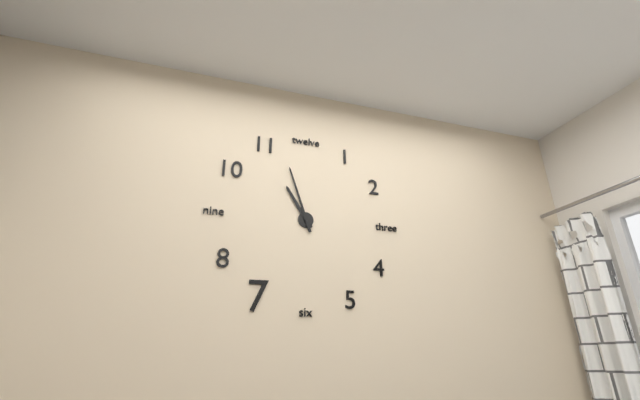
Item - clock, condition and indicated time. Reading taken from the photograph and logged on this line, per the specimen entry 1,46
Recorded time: 10,57
